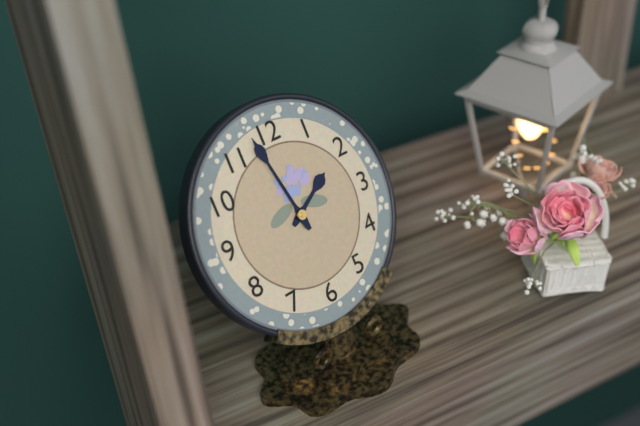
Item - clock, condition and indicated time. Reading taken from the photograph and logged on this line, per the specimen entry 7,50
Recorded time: 1,58
